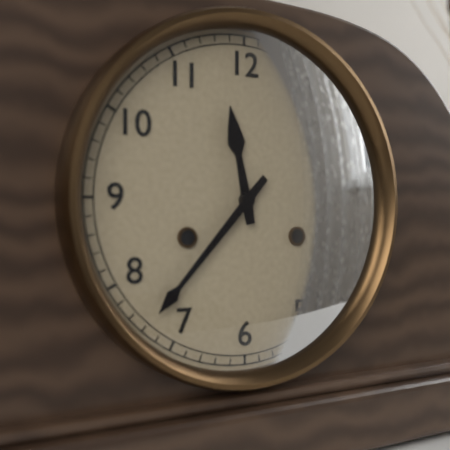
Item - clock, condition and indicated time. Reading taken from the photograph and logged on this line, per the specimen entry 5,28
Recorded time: 11,37
